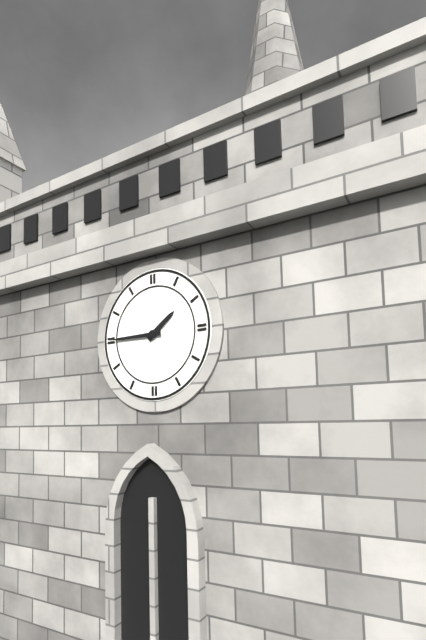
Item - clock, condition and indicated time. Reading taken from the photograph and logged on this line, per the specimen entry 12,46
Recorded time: 1,45
